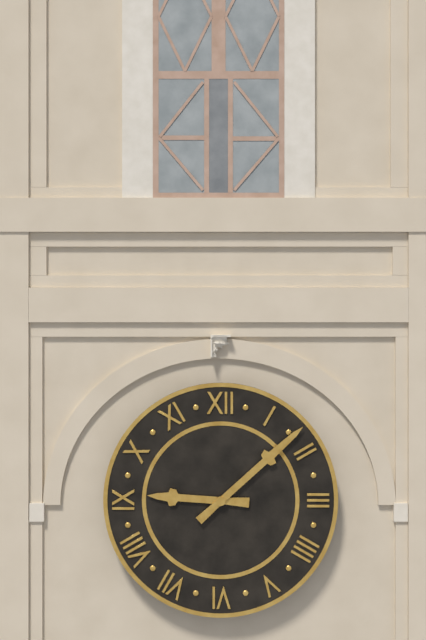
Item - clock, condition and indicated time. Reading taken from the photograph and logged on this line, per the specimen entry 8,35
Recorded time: 9,08
